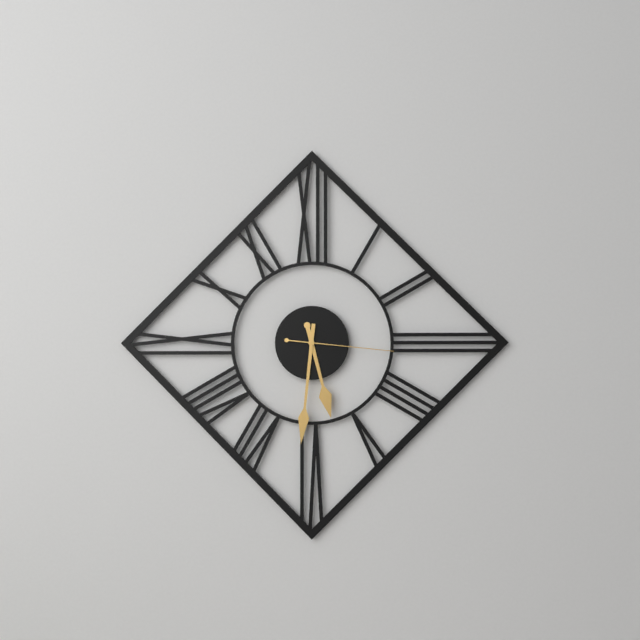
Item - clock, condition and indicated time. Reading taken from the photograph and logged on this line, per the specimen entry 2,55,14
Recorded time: 5,31,16
